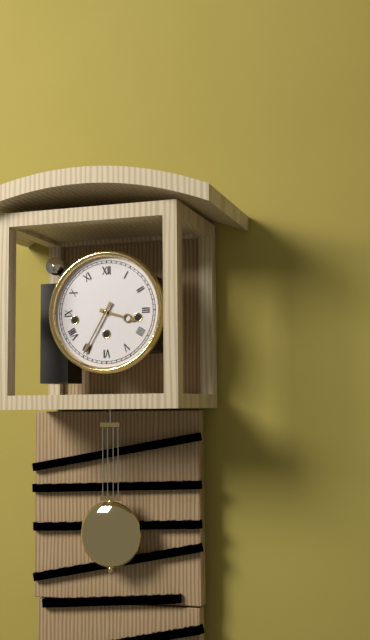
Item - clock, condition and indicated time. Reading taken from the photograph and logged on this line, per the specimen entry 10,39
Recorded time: 3,35
